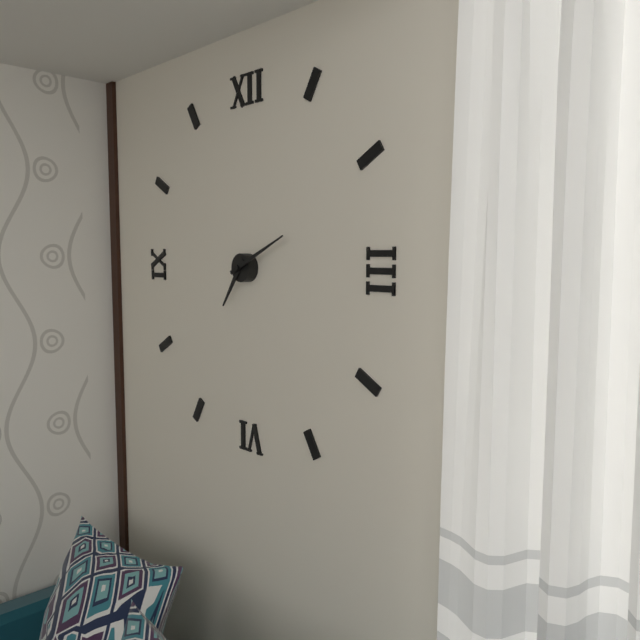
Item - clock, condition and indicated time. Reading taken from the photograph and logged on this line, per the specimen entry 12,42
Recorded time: 7,11
